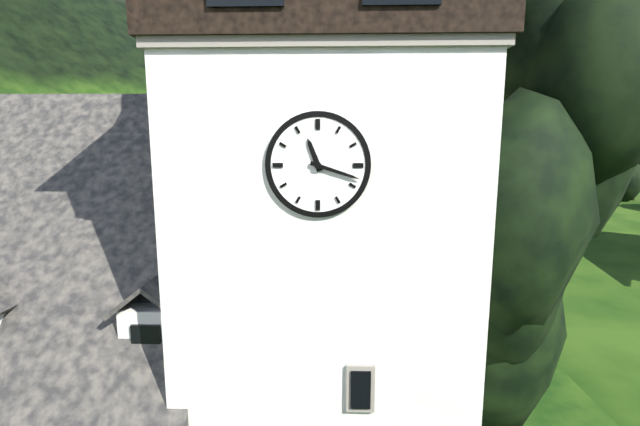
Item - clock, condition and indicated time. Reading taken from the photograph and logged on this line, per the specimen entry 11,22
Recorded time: 11,18
